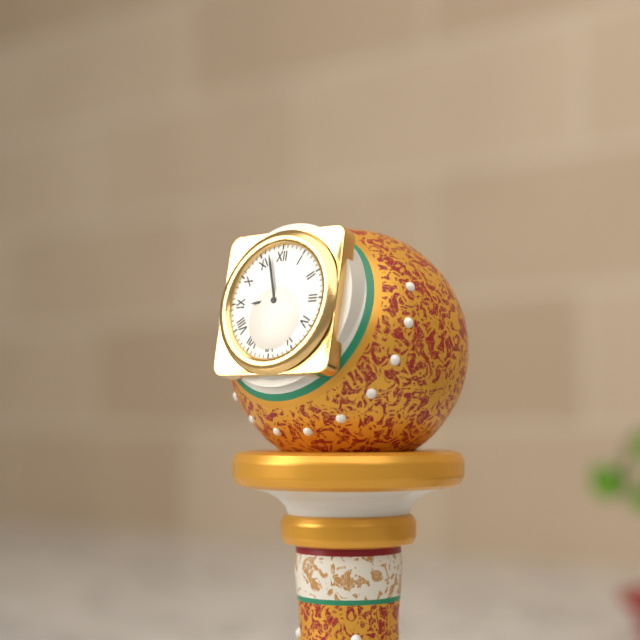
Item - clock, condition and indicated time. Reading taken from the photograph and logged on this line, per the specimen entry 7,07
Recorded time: 8,57
